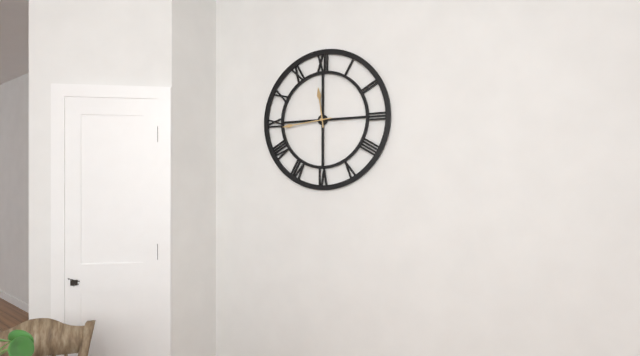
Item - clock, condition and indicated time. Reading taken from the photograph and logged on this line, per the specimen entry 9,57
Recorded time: 11,44
